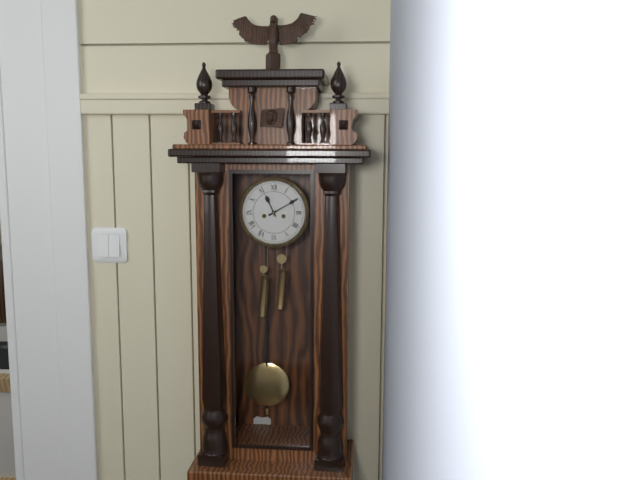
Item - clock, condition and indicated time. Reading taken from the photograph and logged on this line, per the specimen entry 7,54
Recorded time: 11,10
